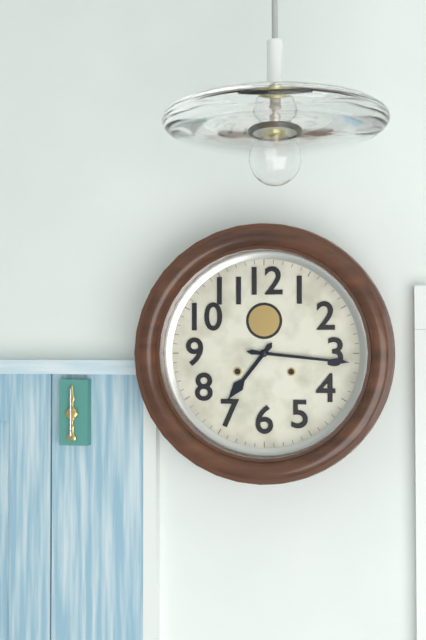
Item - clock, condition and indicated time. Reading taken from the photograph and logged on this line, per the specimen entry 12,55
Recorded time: 7,16
